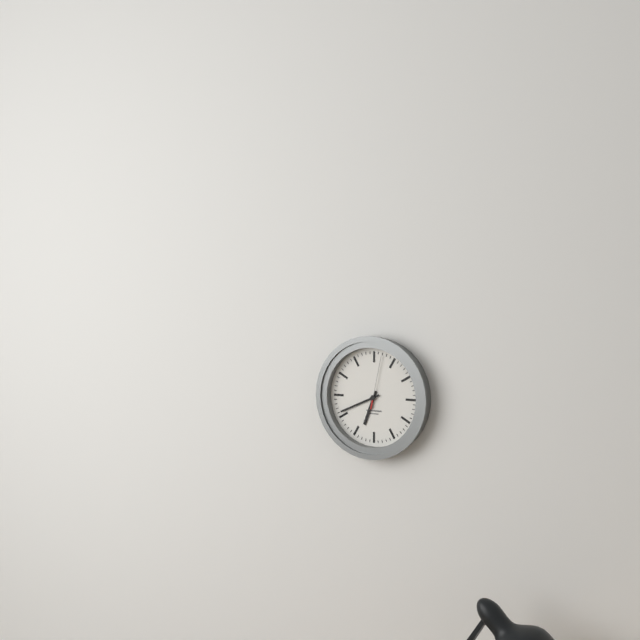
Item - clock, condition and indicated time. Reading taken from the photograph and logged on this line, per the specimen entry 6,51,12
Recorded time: 6,41,02
